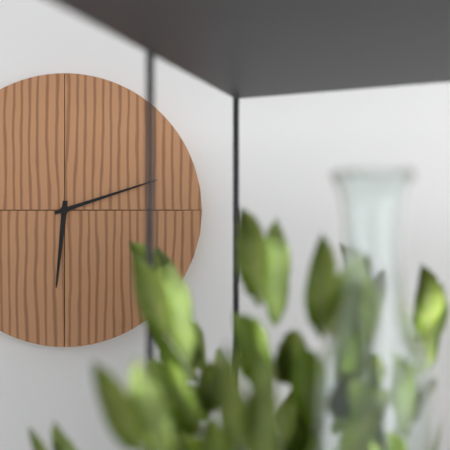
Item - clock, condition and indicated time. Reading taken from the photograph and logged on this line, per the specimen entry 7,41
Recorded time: 6,12
